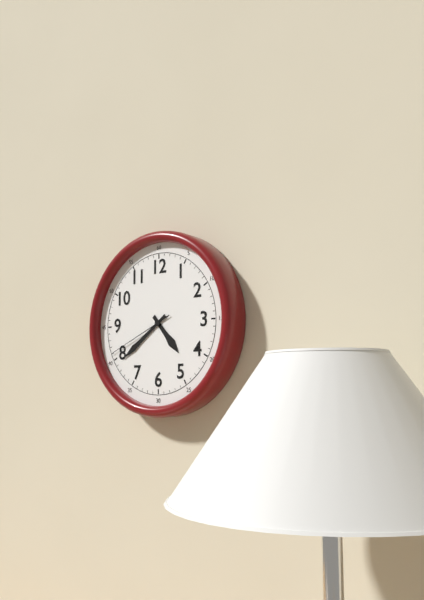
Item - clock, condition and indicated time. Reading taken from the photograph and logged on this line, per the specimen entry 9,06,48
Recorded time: 4,39,41
